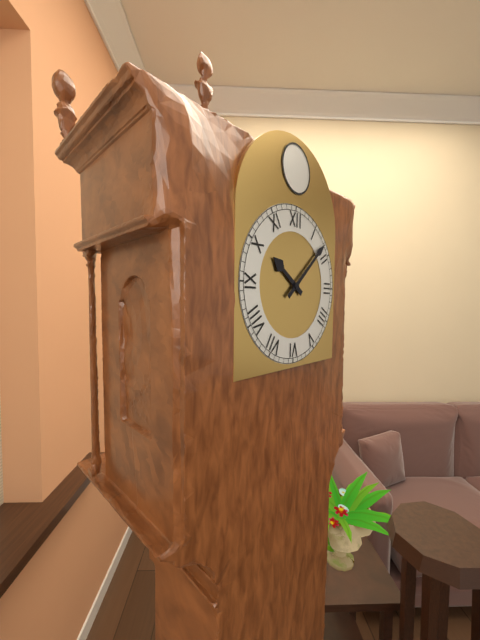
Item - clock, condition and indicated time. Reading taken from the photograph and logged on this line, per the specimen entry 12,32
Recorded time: 10,08
